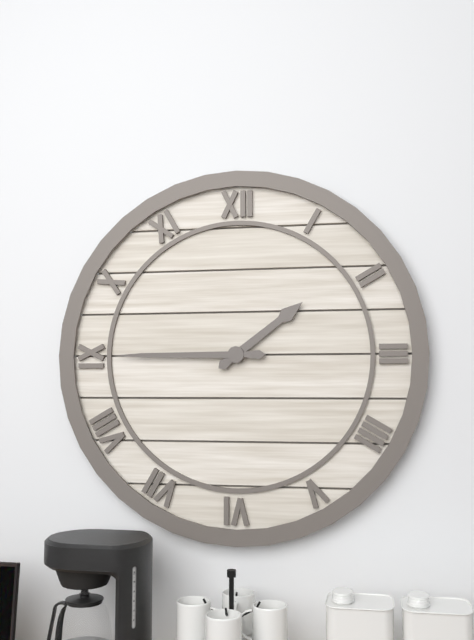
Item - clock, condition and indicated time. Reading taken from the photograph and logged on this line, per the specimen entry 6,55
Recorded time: 1,45
